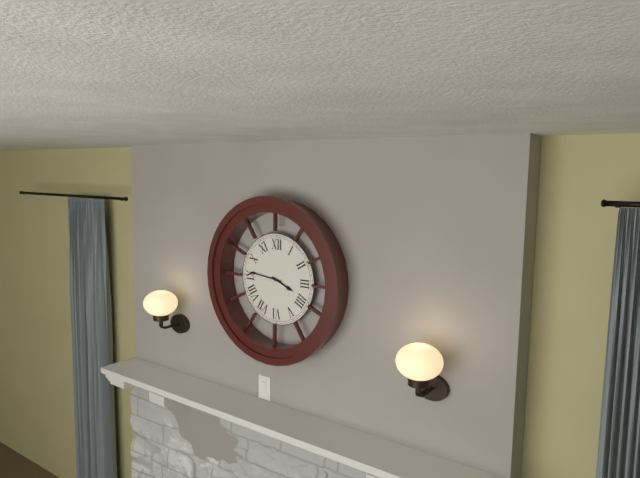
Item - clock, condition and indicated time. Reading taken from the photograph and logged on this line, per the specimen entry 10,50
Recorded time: 3,46
